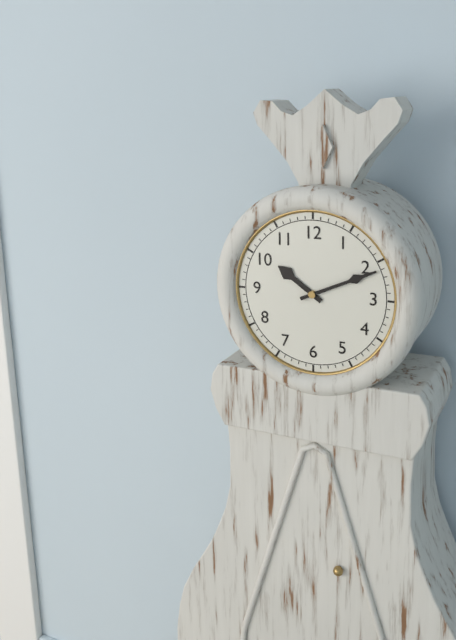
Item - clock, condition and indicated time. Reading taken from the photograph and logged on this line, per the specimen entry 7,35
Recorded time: 10,11
